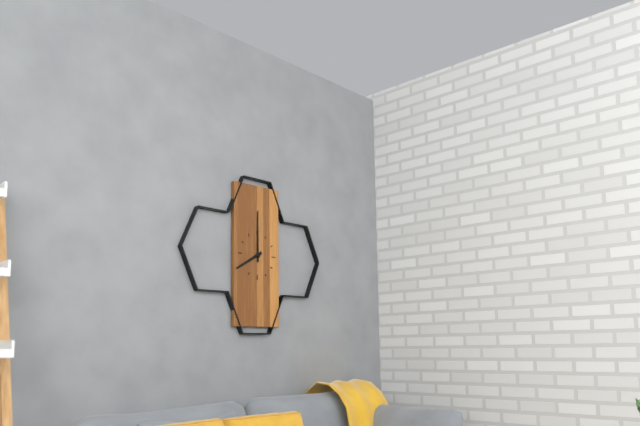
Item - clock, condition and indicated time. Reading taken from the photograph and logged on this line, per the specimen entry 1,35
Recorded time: 8,00
